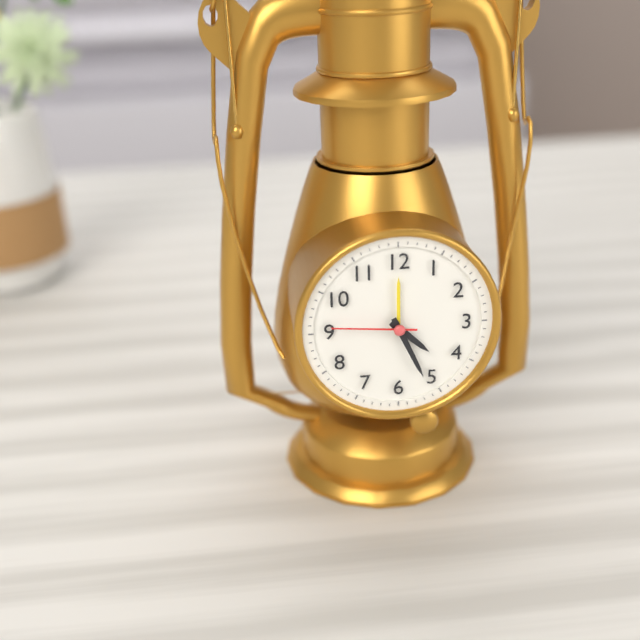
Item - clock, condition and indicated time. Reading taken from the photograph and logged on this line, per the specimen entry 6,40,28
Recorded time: 4,26,46
